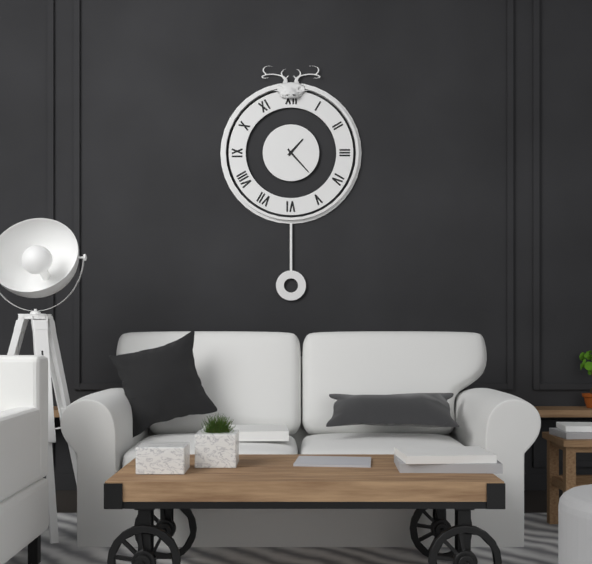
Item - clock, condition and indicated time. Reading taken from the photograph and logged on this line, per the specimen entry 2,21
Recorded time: 1,23
